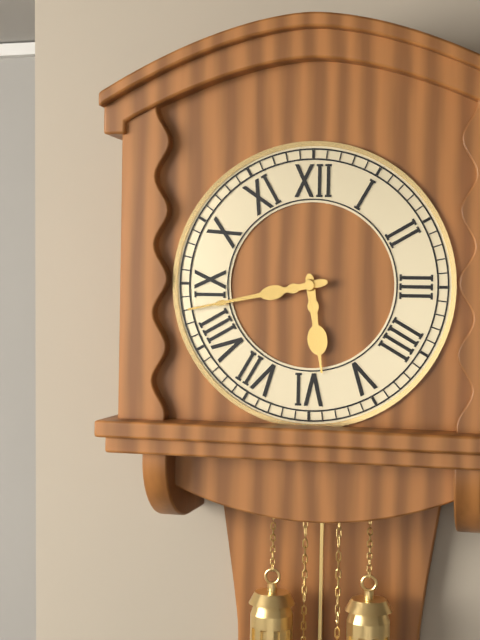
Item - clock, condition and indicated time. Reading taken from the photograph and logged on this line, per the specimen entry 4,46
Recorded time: 5,43
